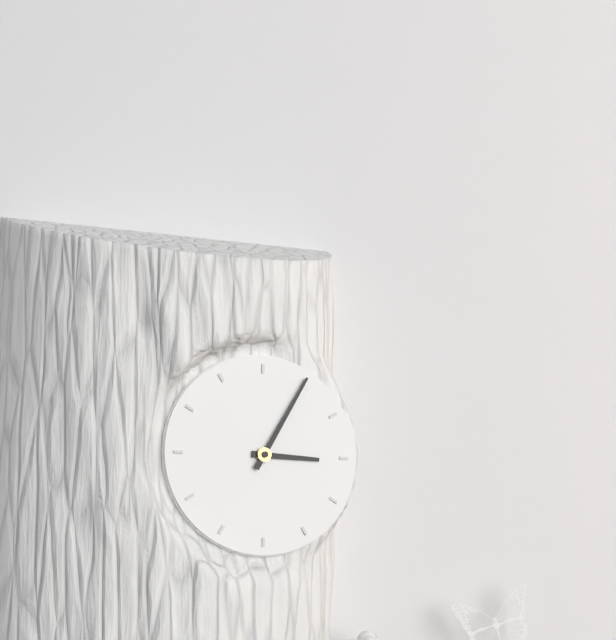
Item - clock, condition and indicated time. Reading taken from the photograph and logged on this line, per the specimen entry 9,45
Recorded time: 3,05
